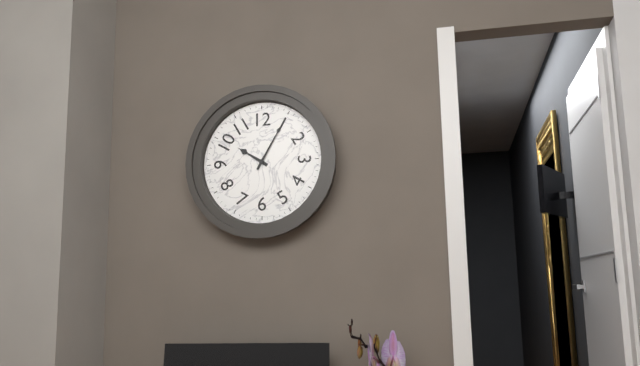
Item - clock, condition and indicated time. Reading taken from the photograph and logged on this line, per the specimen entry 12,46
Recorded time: 10,05
